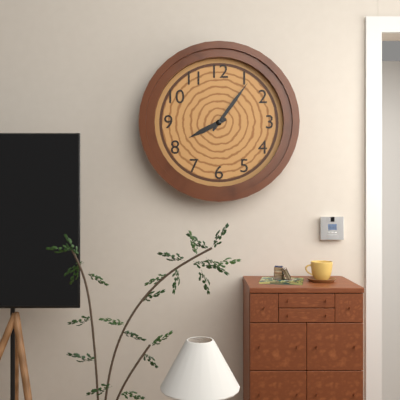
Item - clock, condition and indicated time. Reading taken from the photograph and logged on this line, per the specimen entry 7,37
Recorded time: 8,06
